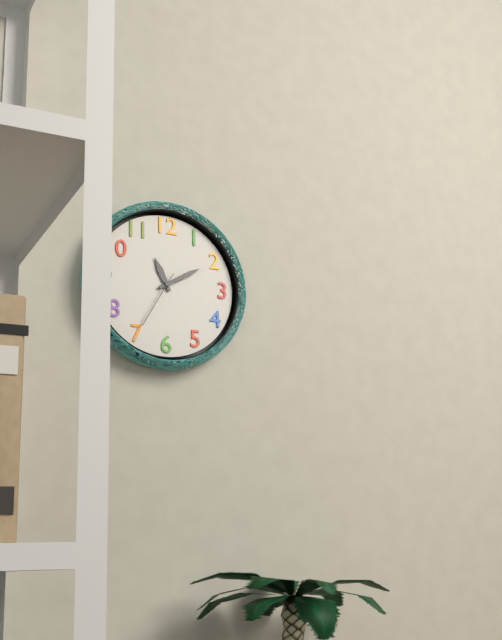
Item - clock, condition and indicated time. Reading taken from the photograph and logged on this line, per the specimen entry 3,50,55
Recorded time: 11,10,35
